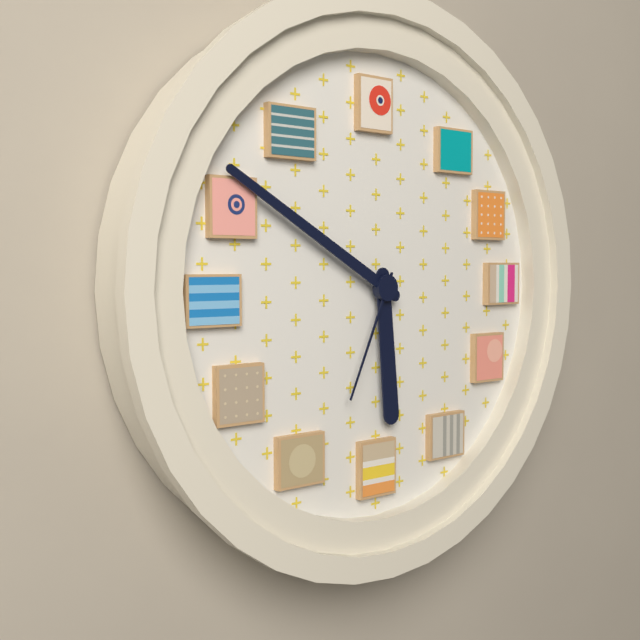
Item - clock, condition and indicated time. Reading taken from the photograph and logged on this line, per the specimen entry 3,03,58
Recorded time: 5,50,34
